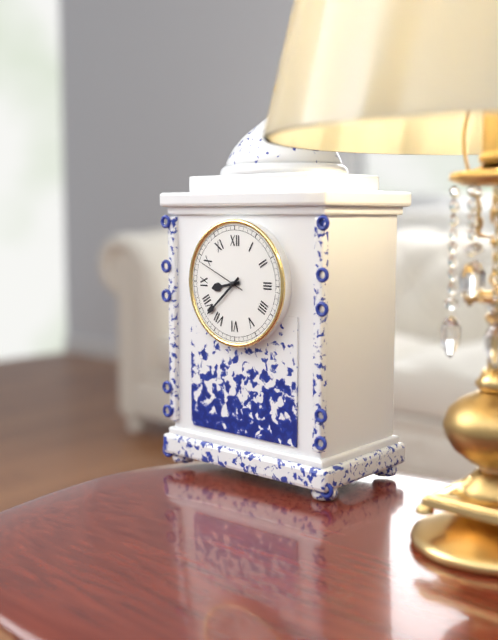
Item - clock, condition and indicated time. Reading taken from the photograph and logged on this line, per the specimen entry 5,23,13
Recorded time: 8,38,49
